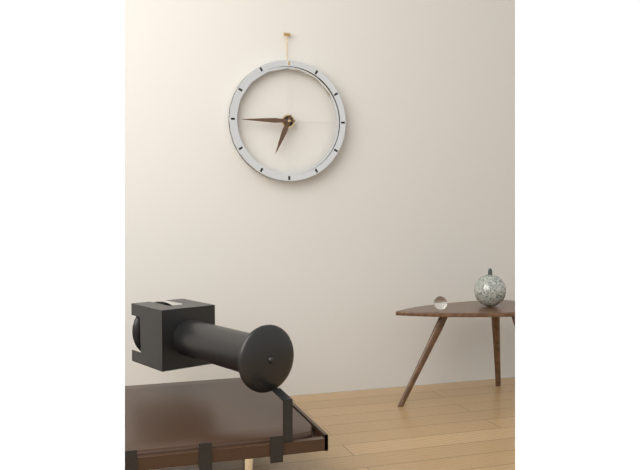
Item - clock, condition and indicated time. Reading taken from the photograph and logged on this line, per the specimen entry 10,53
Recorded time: 6,45
